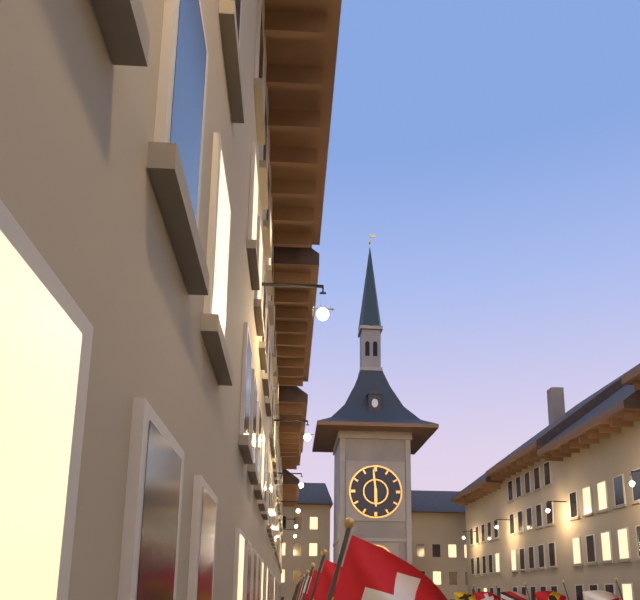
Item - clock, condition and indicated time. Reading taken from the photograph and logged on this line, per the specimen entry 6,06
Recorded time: 5,59
